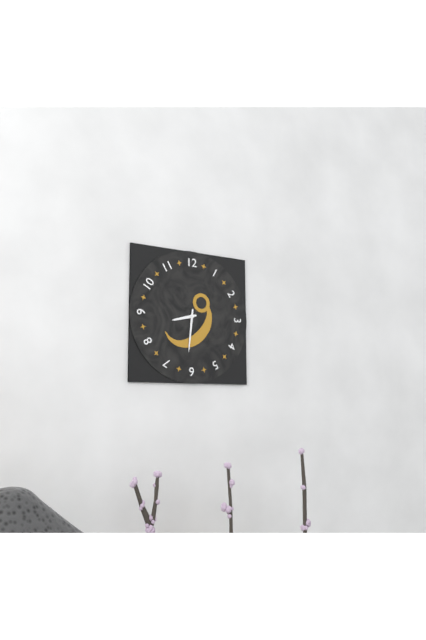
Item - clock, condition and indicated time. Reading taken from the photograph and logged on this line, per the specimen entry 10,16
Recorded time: 8,31
